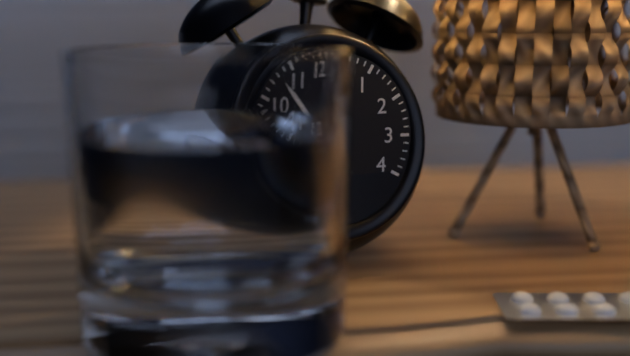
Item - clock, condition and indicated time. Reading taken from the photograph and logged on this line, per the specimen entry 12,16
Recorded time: 7,53
